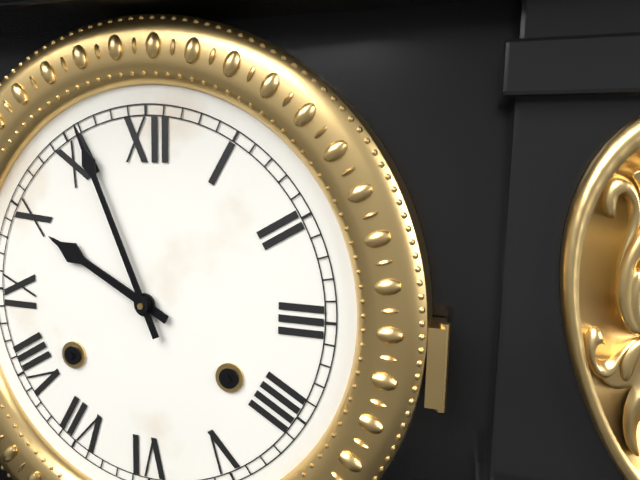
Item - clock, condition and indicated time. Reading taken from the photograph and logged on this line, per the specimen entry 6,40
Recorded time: 9,56
